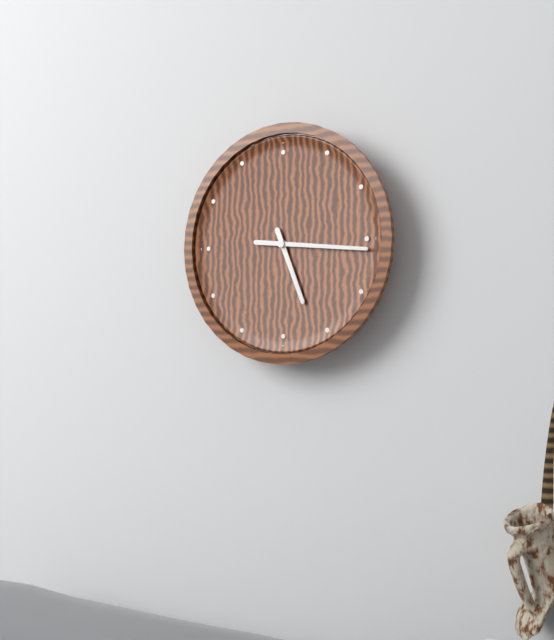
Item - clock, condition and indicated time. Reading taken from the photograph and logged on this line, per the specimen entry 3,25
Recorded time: 5,16
